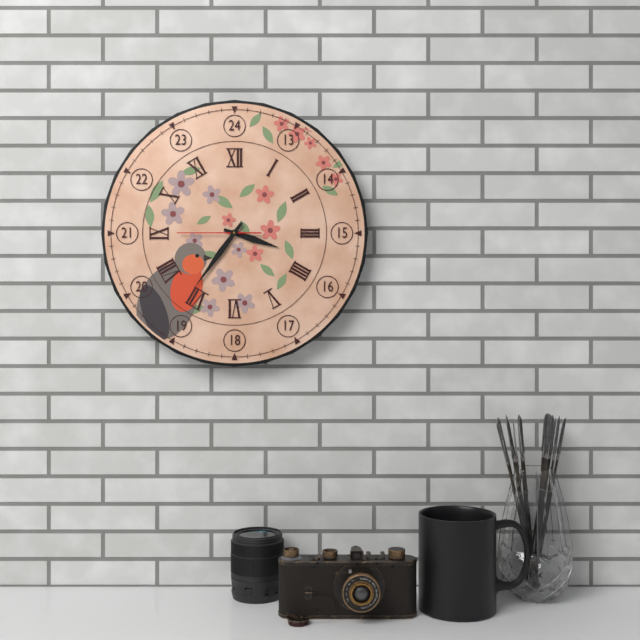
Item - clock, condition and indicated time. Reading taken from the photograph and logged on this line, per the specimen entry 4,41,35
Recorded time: 3,36,45
